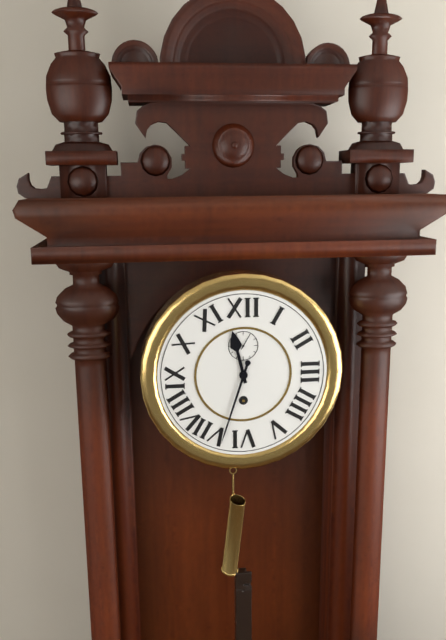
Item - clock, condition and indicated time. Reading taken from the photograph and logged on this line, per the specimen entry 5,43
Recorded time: 11,33
